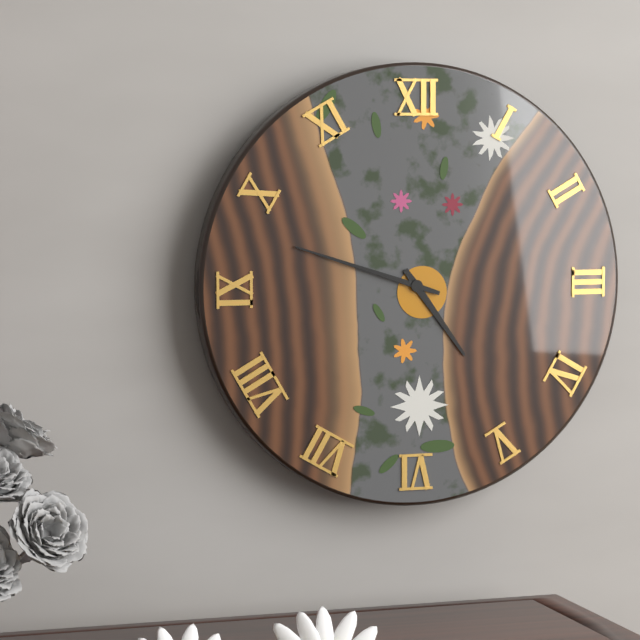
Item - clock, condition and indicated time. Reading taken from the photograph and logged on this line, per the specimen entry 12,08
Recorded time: 4,48
